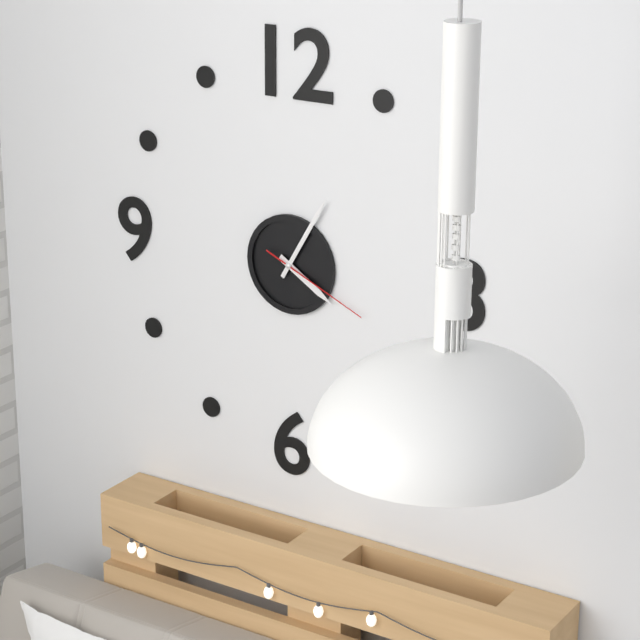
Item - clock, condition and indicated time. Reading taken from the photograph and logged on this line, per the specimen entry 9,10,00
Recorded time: 4,05,19
